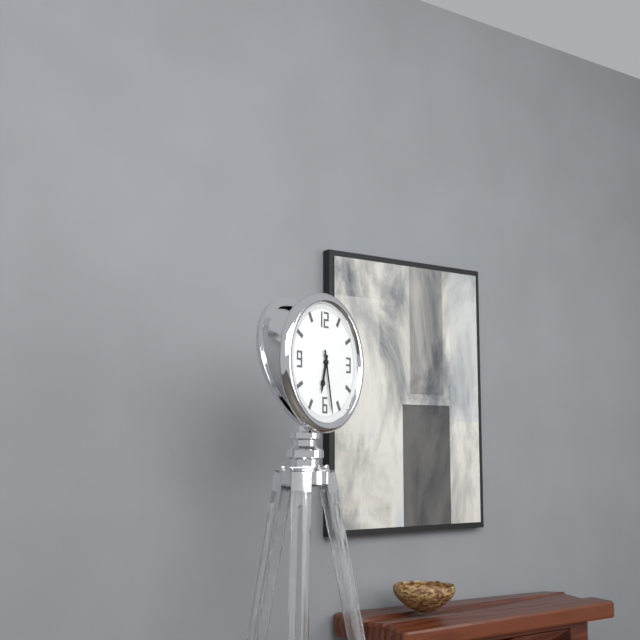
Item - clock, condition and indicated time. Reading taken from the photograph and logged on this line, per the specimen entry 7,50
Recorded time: 6,28
